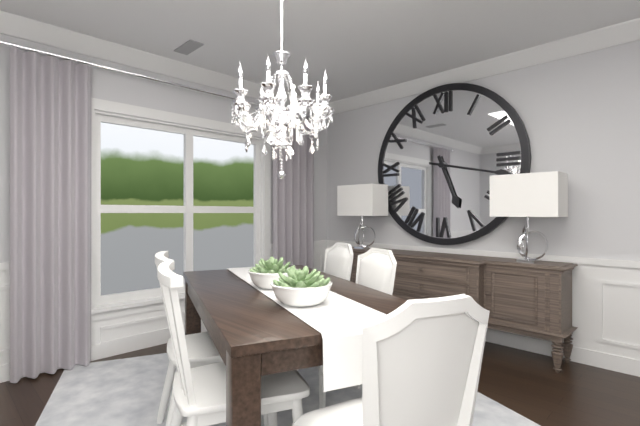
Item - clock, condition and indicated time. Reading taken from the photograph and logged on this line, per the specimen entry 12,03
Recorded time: 5,17
